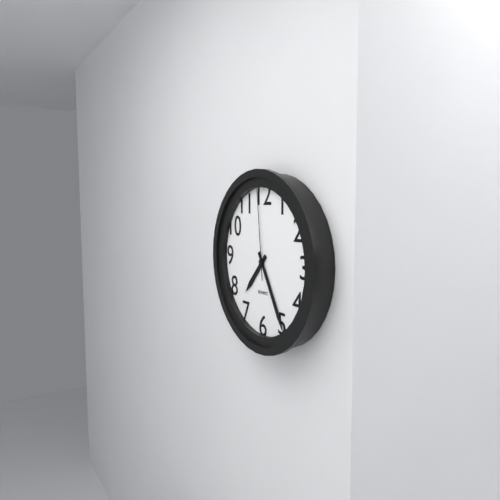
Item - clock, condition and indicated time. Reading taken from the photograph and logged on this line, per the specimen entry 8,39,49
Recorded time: 7,25,59
